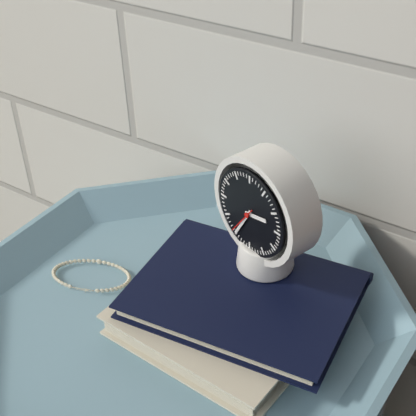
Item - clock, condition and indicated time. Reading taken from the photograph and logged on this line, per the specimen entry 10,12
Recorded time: 2,35
